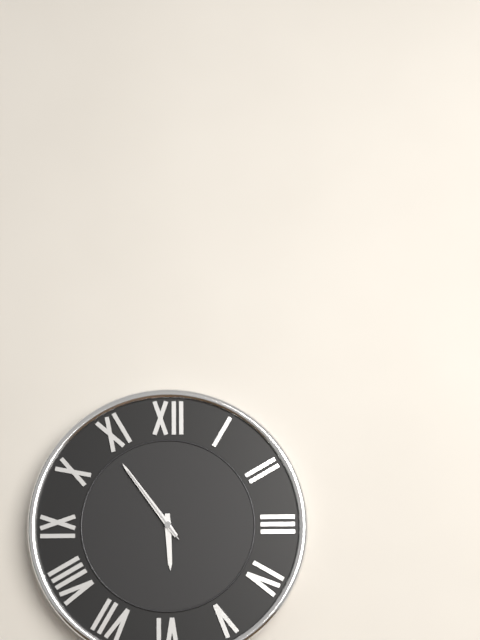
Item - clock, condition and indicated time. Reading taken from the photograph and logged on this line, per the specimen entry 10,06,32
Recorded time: 5,54,54
